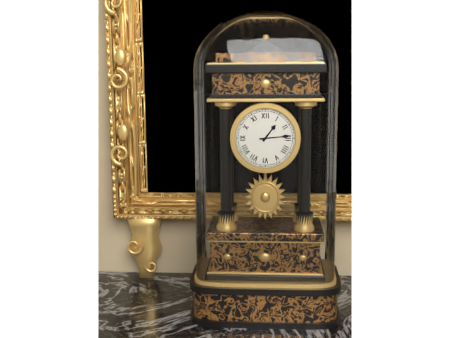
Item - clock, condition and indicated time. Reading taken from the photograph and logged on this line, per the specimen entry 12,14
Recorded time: 1,14
